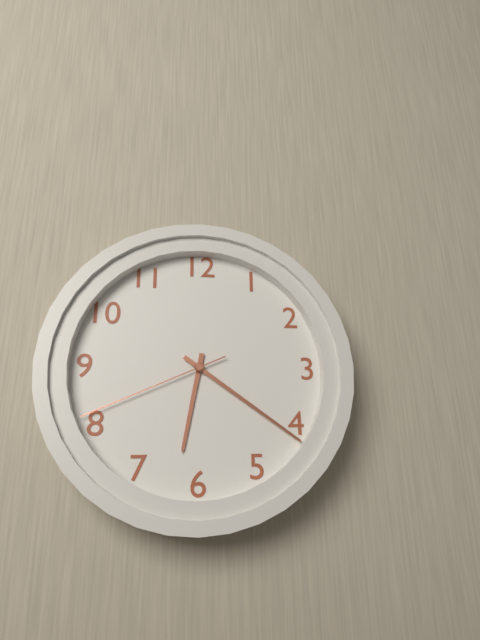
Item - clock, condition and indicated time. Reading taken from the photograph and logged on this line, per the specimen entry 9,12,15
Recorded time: 6,21,41
